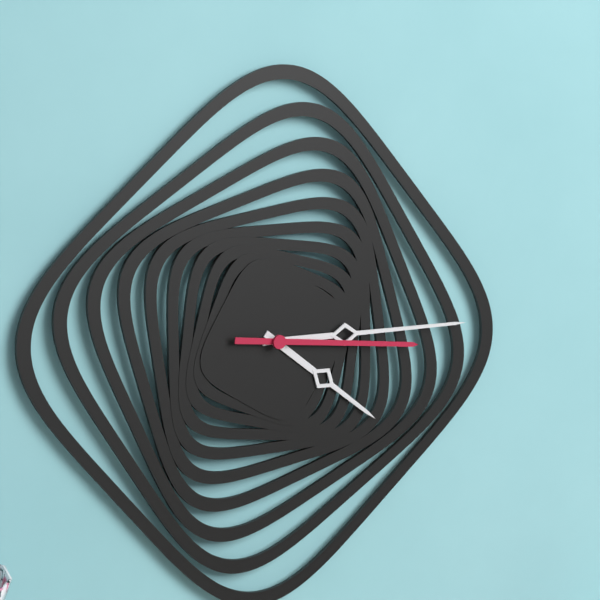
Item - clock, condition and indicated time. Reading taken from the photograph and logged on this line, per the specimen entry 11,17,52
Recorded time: 4,15,16
